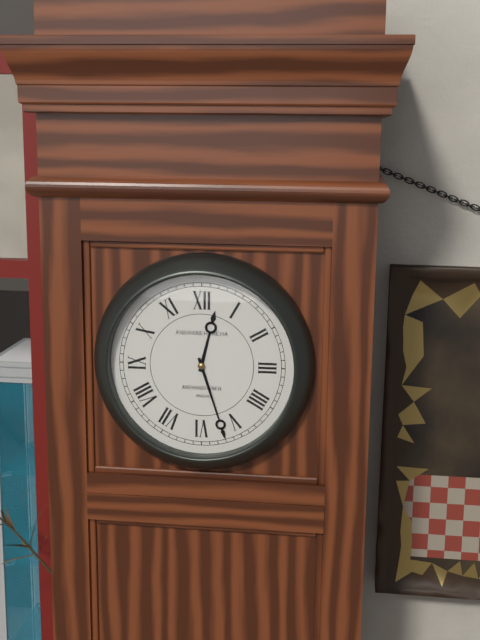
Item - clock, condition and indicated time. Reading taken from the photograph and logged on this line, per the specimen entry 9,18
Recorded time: 12,27
